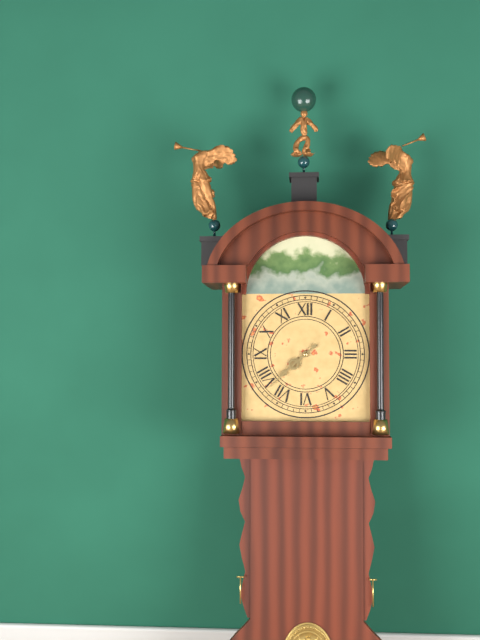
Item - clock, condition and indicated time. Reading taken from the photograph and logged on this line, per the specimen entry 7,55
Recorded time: 7,38
